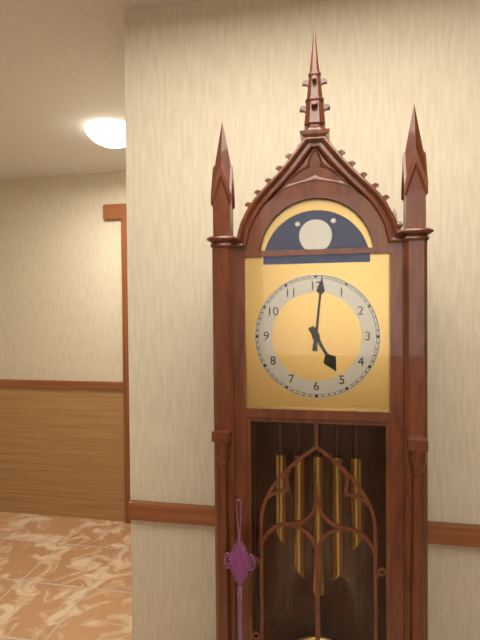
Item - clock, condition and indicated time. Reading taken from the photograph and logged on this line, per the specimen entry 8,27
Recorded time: 5,01
